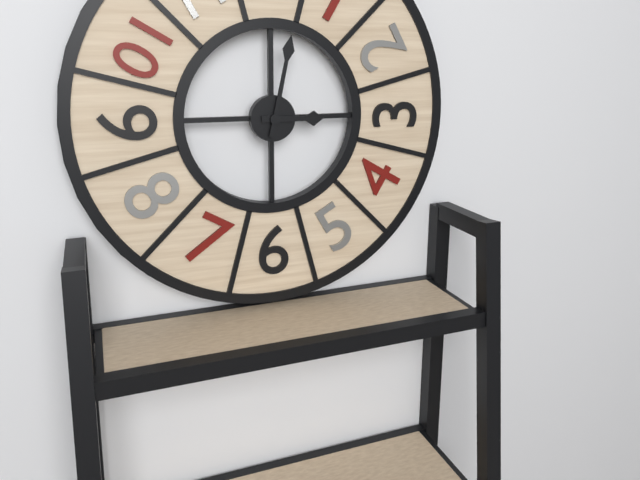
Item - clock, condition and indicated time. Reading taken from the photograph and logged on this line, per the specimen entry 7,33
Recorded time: 3,02
